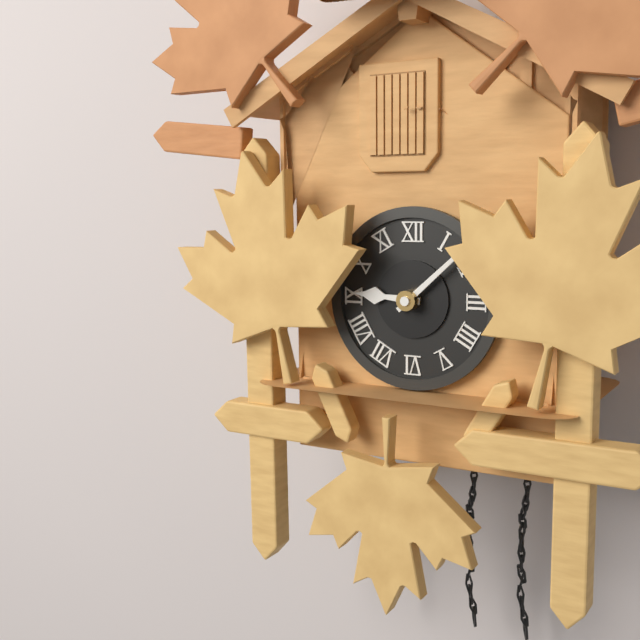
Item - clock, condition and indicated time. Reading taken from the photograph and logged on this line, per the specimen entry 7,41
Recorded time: 9,08
